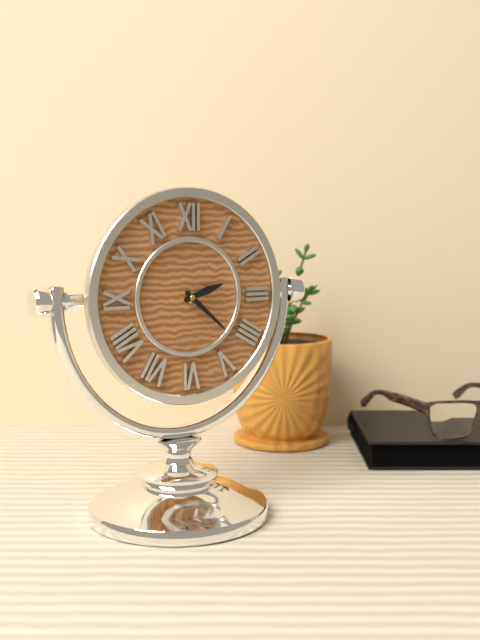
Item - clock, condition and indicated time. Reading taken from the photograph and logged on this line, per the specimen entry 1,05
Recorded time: 2,22
